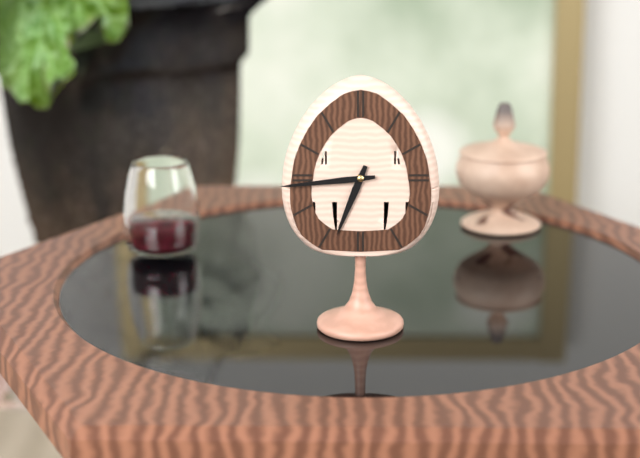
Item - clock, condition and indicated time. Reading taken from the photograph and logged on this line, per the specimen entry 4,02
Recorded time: 6,44
